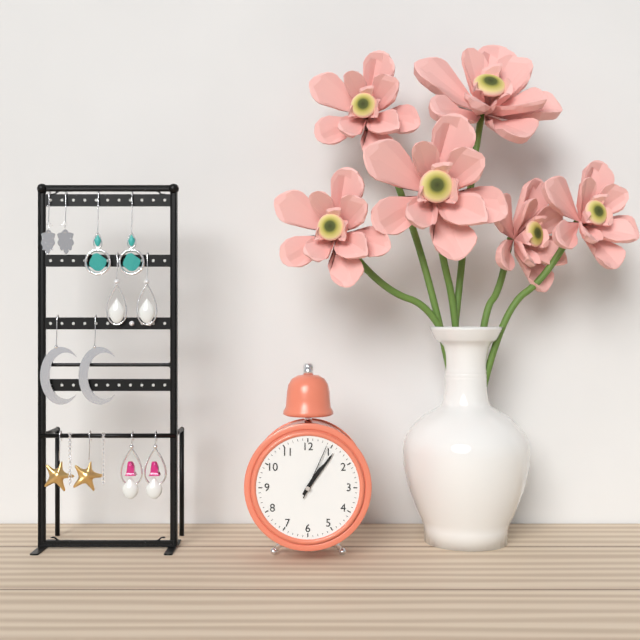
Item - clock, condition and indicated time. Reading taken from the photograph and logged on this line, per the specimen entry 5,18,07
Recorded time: 1,06,04
